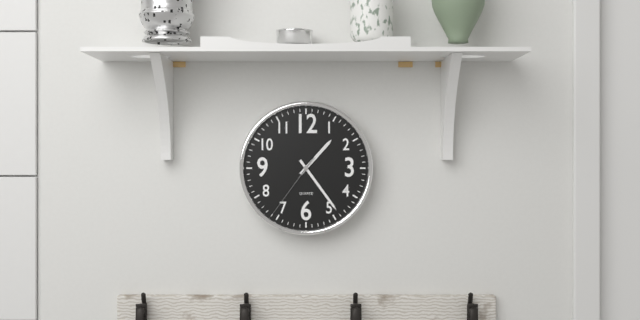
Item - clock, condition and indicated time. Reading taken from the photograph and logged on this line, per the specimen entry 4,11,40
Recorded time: 1,24,36
